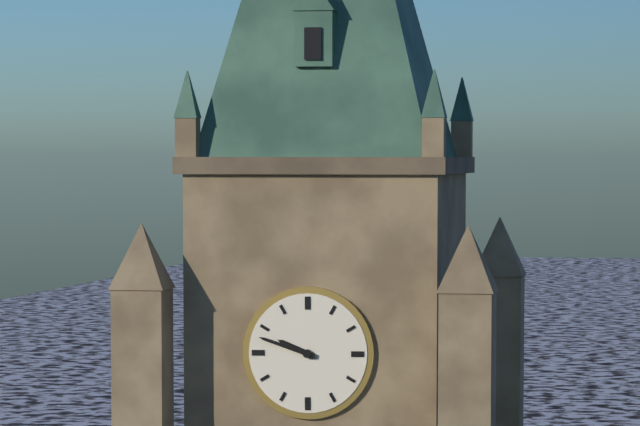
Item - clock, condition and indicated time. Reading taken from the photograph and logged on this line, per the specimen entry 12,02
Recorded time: 9,48
